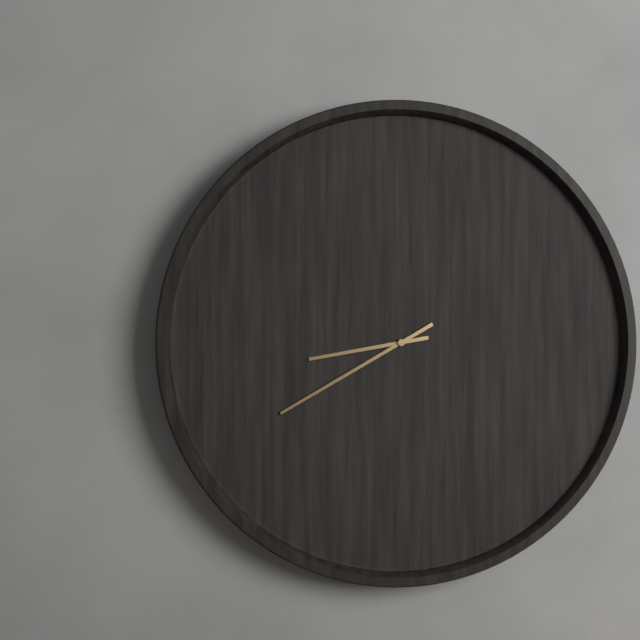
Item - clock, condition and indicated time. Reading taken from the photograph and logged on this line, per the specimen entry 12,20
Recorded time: 8,40
